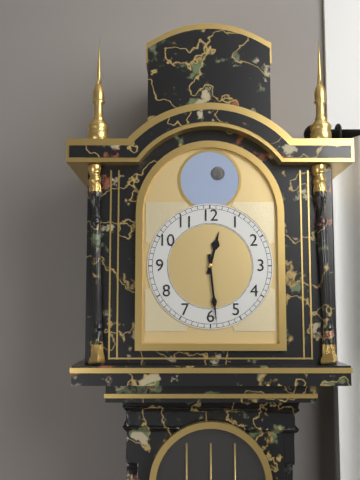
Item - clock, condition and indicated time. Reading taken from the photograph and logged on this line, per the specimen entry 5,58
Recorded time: 12,29
